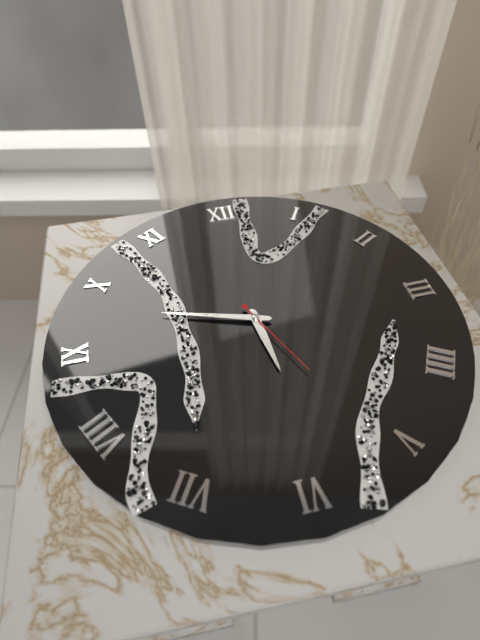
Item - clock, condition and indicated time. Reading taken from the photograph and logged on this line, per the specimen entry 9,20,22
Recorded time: 5,48,26
